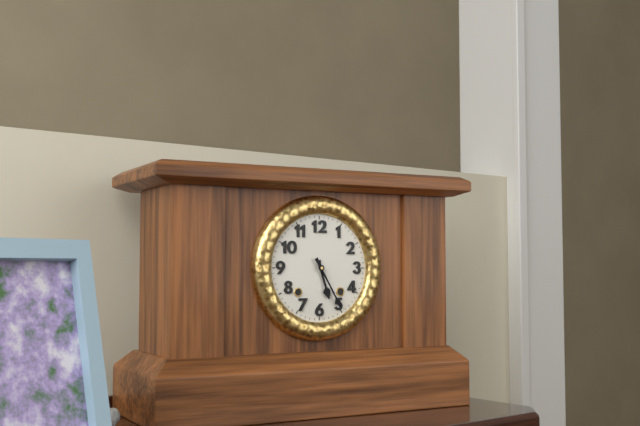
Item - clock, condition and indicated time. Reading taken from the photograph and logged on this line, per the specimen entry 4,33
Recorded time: 5,25
